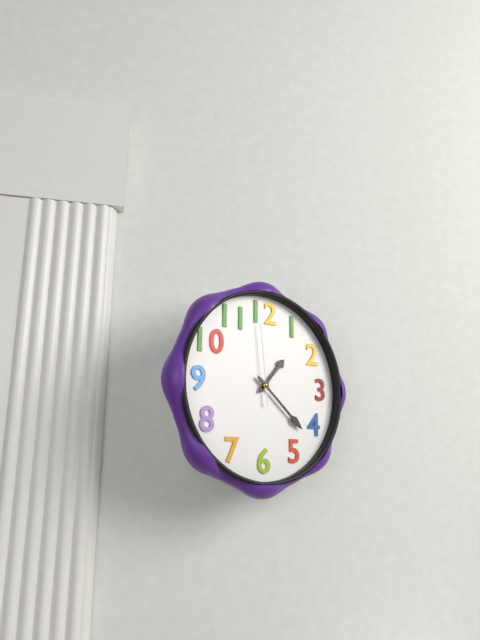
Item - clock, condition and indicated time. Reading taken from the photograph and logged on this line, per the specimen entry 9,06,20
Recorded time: 1,22,59
